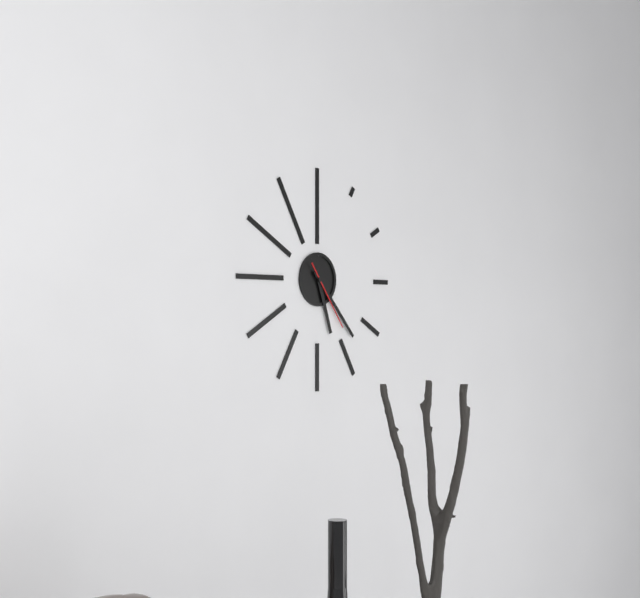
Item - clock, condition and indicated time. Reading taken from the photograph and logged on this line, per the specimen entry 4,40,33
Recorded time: 5,23,24
